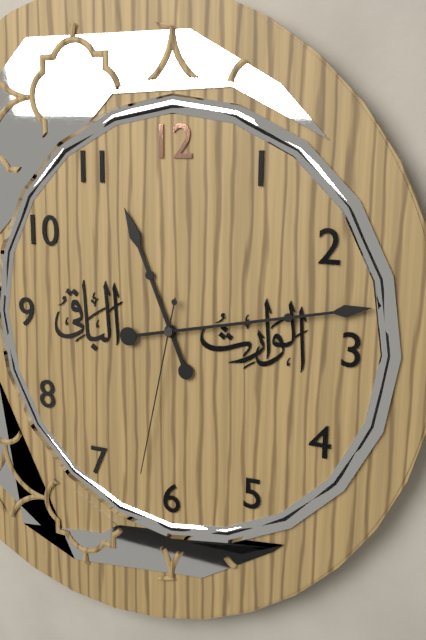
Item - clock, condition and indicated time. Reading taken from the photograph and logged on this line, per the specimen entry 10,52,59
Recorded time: 11,13,32
